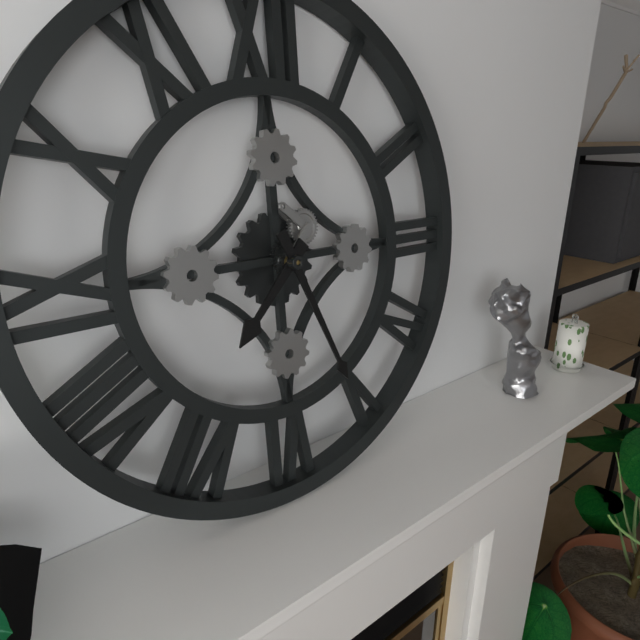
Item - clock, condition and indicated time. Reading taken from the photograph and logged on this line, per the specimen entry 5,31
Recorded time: 7,26
